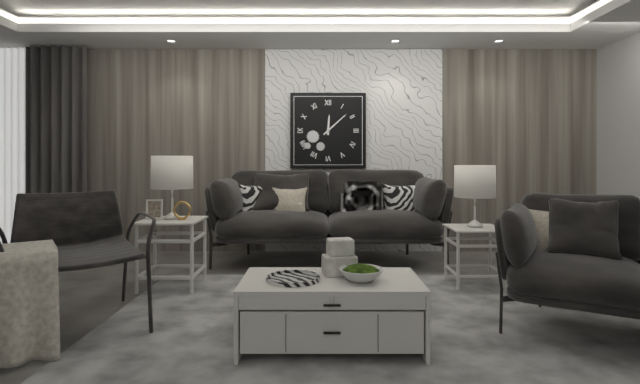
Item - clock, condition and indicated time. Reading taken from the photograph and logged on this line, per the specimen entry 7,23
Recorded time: 12,08
